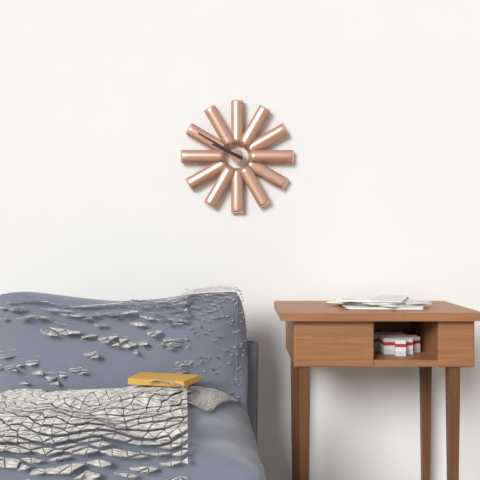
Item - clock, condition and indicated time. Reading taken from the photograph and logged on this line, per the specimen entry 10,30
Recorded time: 9,50
